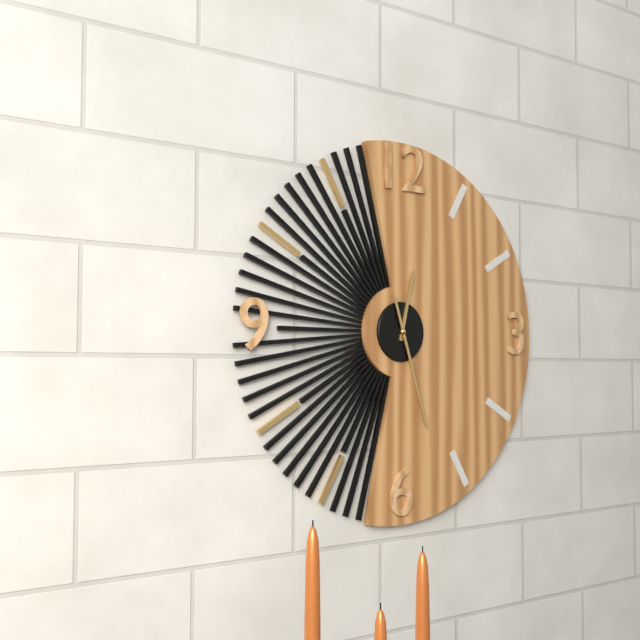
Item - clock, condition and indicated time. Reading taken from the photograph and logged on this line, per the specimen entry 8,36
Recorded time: 12,27
